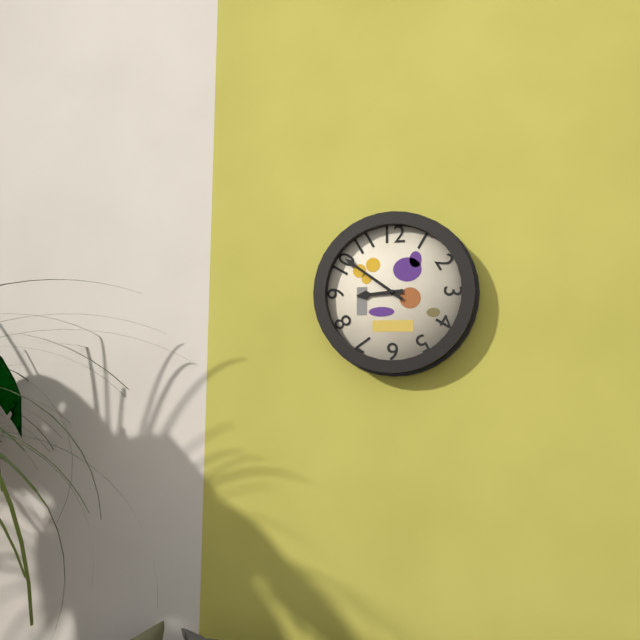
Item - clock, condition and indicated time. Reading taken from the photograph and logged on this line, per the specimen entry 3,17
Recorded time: 8,51
